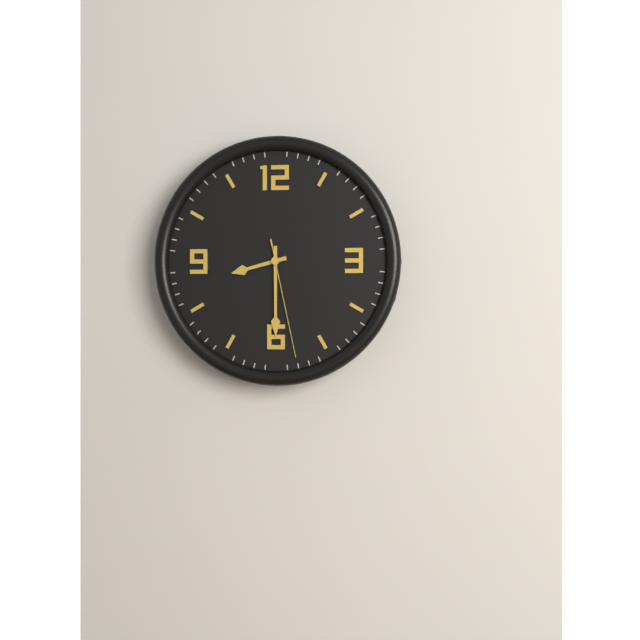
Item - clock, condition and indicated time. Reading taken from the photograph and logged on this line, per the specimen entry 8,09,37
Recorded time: 8,30,28
